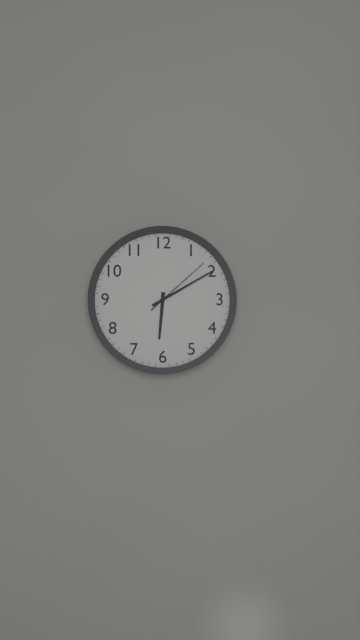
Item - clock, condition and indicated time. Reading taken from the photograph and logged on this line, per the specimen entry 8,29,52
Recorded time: 6,10,08
